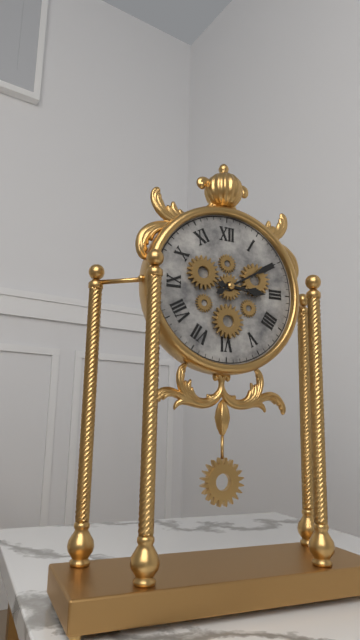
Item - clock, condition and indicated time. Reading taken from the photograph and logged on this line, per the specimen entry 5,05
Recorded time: 3,10
